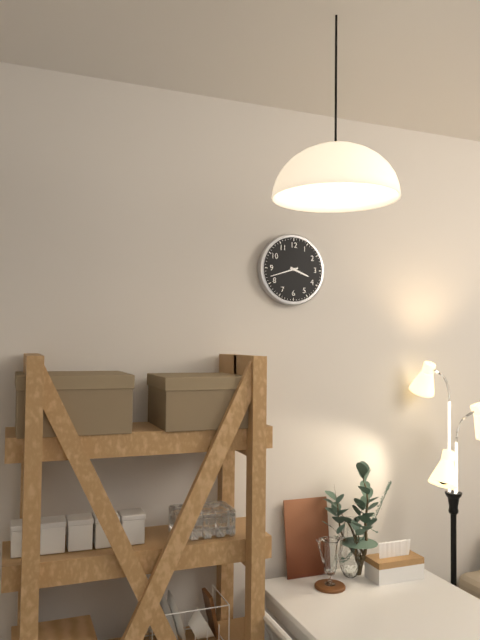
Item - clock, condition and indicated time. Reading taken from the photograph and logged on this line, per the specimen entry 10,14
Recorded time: 3,42
